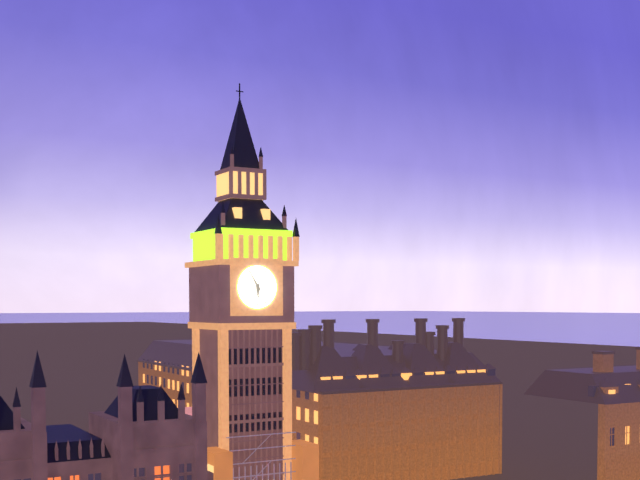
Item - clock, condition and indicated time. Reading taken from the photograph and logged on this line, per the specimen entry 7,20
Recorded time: 5,55
